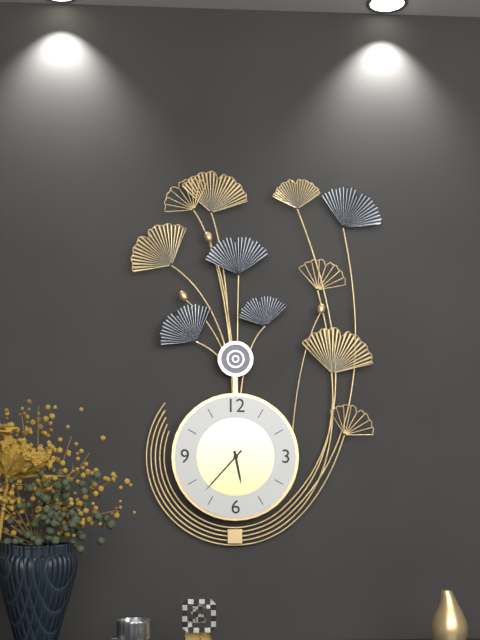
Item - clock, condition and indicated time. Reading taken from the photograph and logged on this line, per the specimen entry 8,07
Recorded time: 5,37
